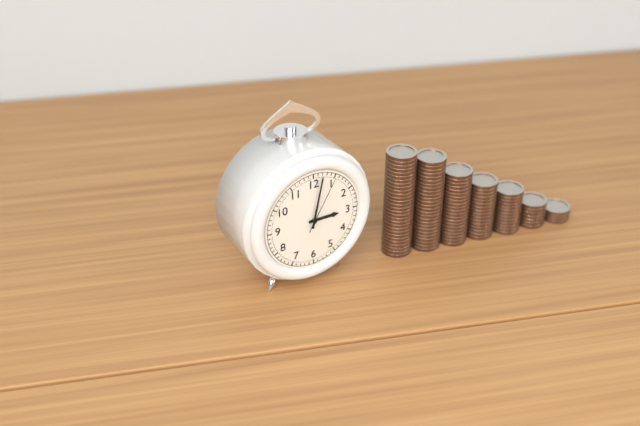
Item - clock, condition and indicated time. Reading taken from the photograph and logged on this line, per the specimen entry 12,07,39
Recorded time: 3,02,05
